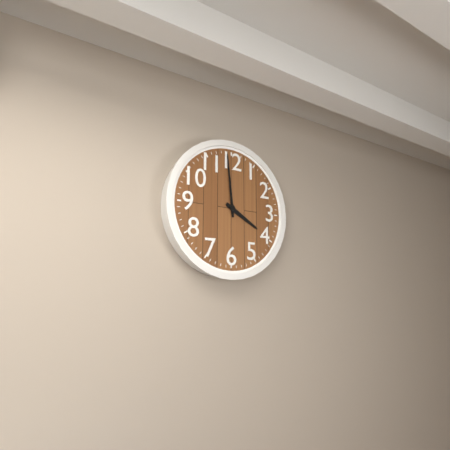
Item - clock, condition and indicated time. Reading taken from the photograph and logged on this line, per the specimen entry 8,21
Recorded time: 3,59
